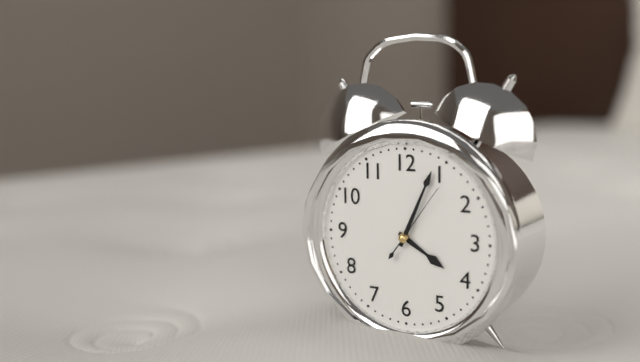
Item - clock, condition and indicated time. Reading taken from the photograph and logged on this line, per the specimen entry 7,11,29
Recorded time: 4,04,06
